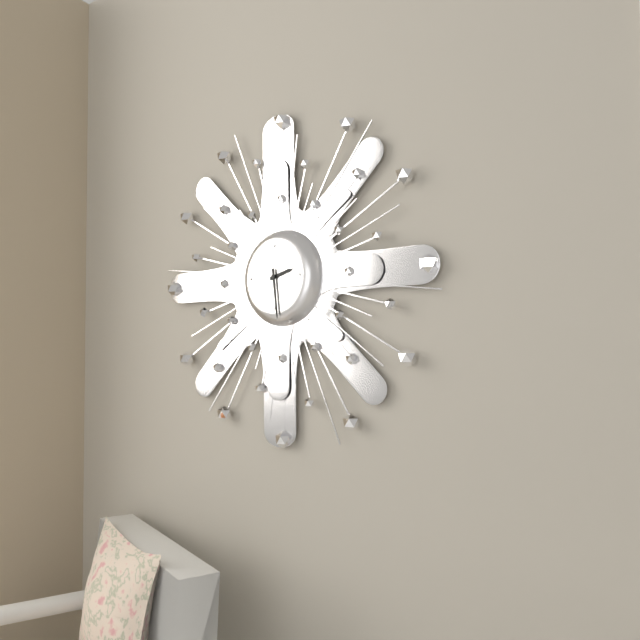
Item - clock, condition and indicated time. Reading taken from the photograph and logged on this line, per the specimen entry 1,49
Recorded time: 2,29
